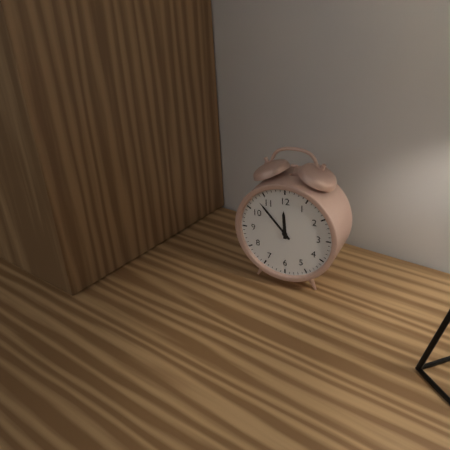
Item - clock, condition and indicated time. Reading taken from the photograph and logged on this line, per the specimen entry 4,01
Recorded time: 11,53
